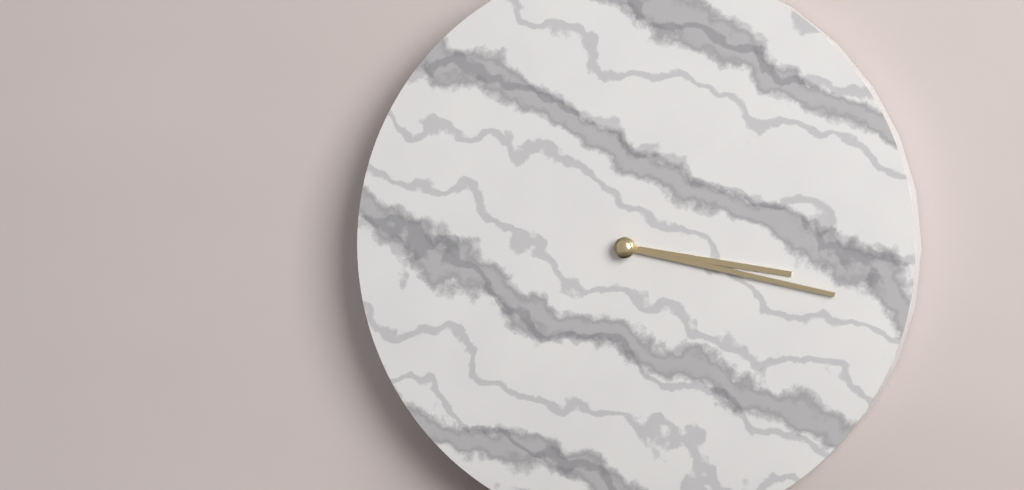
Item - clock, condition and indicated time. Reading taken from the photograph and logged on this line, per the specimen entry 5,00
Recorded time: 3,17
